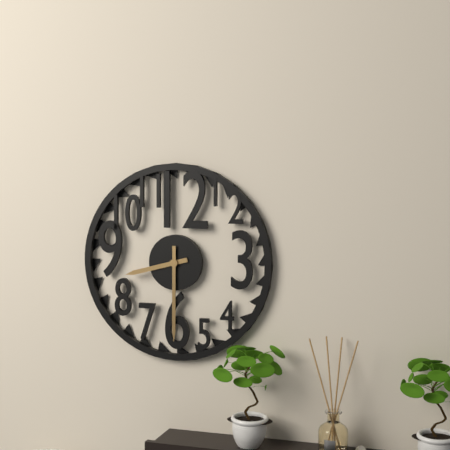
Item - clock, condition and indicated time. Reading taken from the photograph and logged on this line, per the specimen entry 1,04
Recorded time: 8,30
